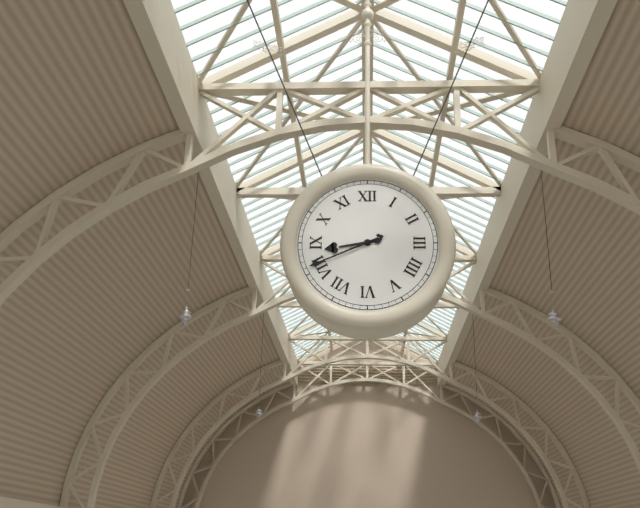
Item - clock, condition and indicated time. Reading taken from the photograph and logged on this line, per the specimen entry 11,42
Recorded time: 8,41
